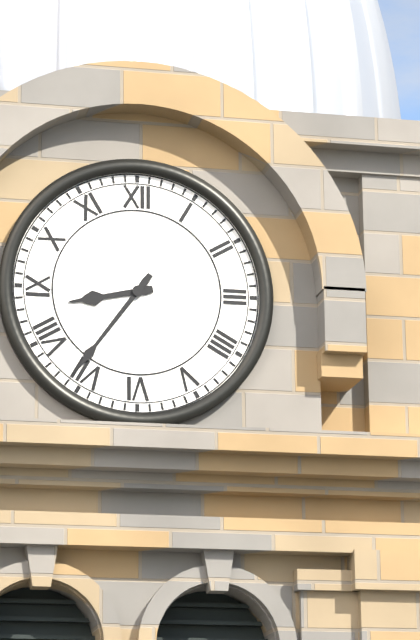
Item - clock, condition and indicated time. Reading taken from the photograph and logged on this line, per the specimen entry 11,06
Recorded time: 8,36
